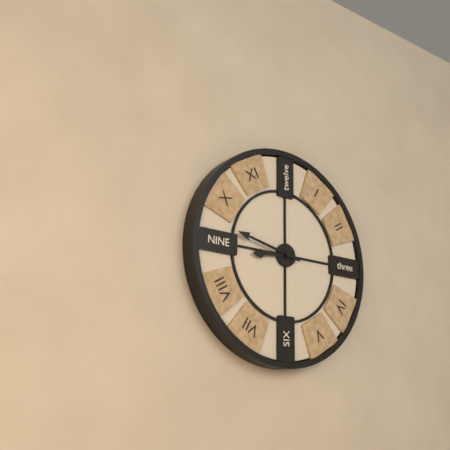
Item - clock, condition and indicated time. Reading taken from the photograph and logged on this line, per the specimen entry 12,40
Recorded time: 8,47
